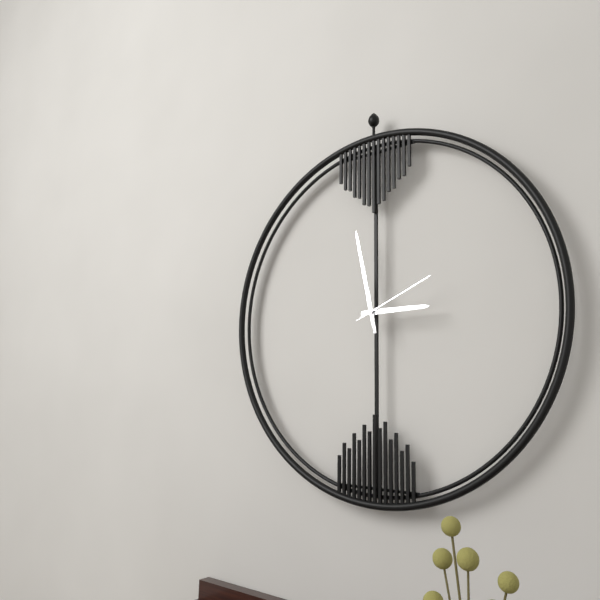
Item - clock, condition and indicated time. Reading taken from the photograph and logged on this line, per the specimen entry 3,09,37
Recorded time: 2,58,11
